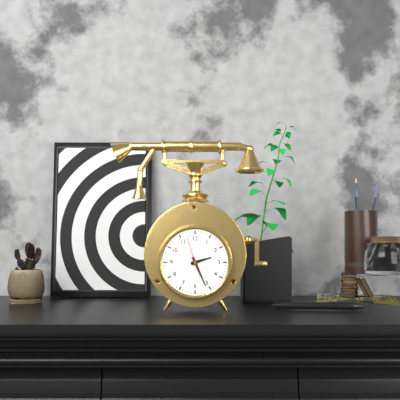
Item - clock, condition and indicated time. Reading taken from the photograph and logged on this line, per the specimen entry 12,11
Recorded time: 2,26
